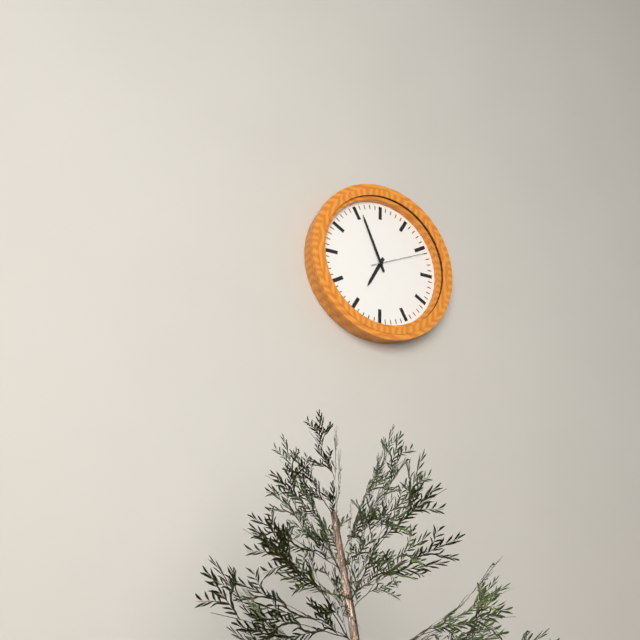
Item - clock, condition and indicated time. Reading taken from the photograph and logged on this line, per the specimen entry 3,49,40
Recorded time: 6,56,11
